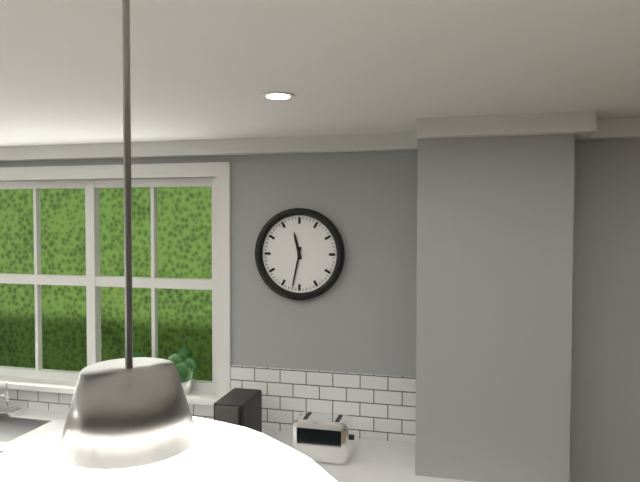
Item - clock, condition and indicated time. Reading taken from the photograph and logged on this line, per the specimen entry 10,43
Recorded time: 11,32
